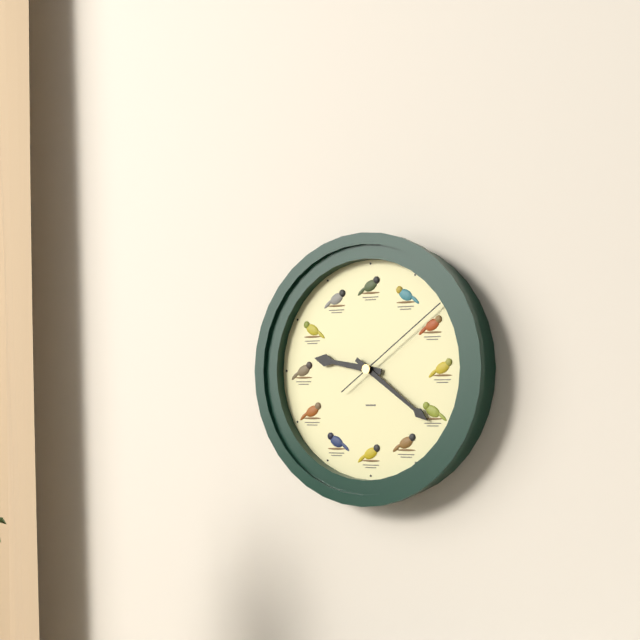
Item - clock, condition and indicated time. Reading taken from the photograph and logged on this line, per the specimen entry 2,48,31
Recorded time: 9,21,09
